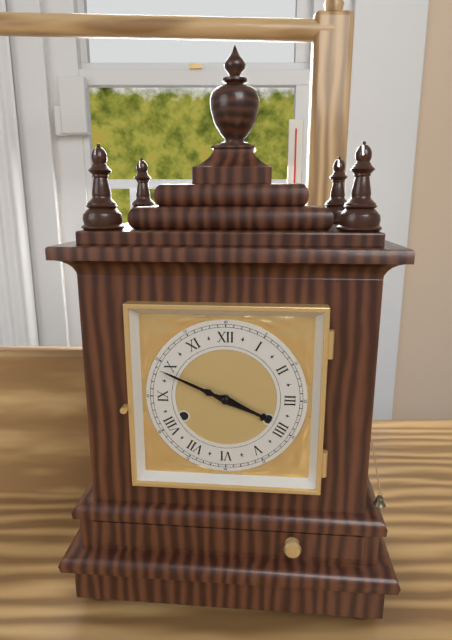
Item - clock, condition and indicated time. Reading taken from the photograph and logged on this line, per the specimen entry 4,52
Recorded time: 3,49
